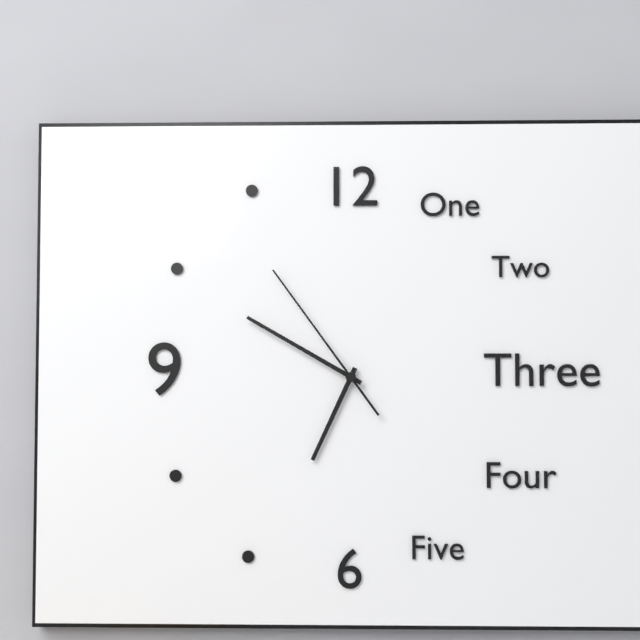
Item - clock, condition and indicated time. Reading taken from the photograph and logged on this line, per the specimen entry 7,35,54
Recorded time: 6,50,54
